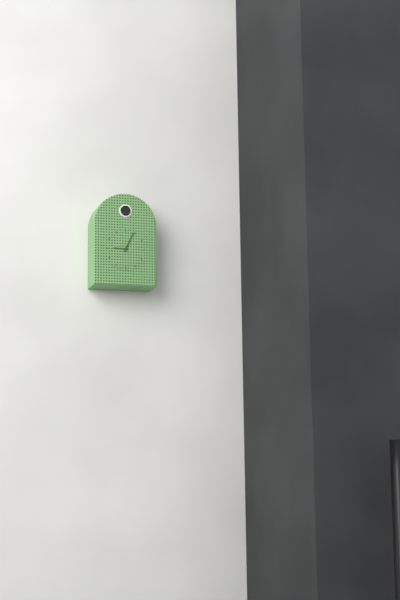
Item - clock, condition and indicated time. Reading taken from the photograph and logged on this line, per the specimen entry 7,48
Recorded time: 9,04
